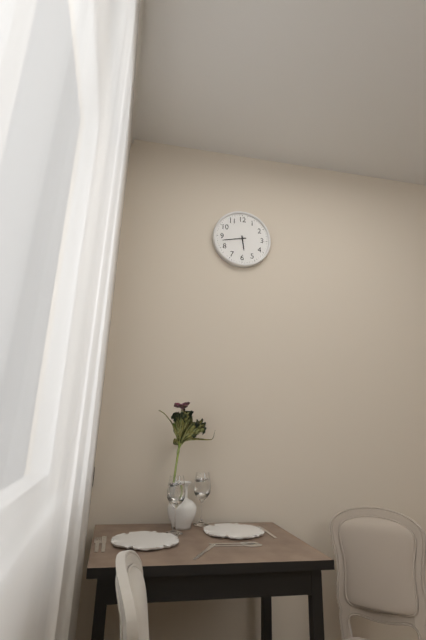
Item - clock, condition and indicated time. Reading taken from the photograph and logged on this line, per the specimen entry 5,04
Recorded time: 5,43
